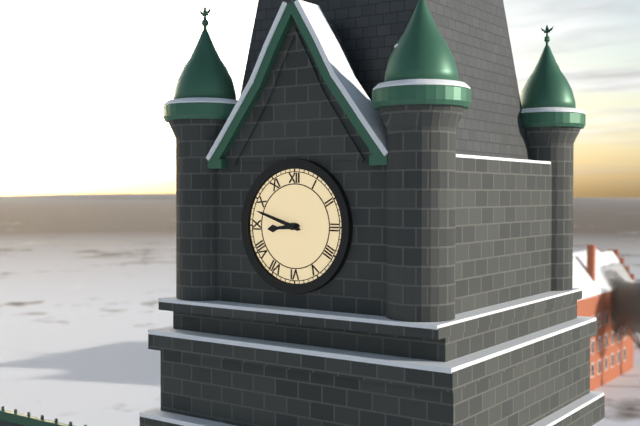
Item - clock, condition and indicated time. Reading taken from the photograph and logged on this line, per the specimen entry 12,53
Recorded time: 8,48
